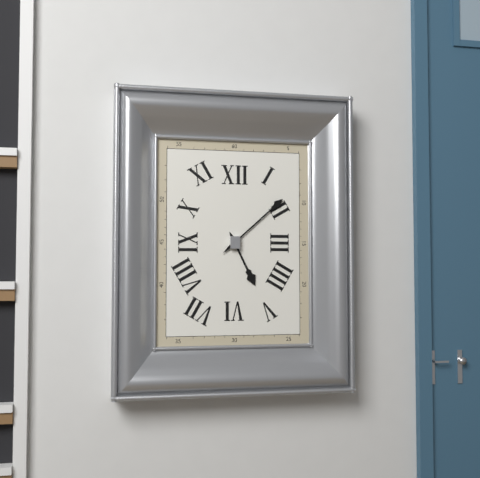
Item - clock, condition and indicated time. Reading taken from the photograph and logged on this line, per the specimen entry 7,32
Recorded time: 5,08
